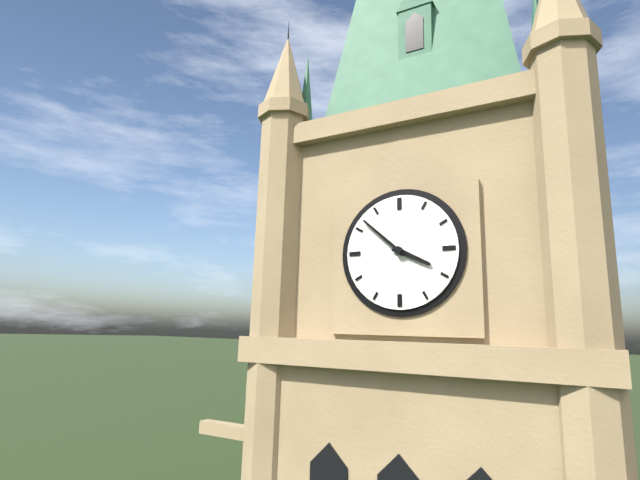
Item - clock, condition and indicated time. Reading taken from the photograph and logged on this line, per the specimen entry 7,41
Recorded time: 3,52
